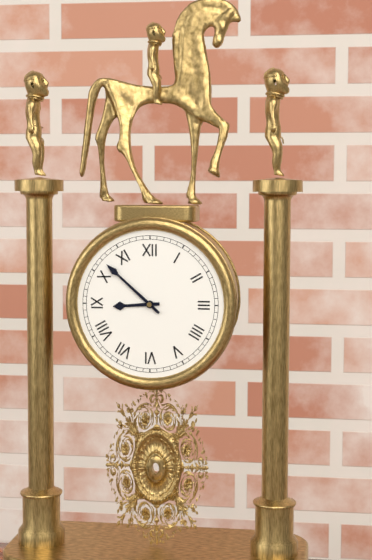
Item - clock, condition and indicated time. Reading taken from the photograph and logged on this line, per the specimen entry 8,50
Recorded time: 8,52
